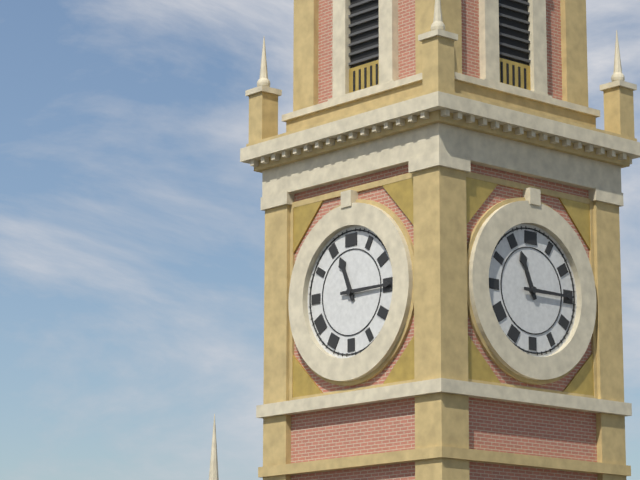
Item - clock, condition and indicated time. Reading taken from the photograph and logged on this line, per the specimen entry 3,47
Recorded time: 11,15
